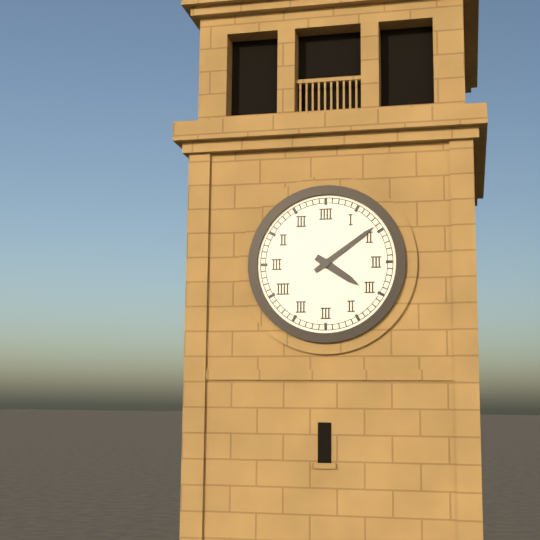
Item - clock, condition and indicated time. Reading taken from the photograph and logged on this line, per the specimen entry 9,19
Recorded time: 4,09
